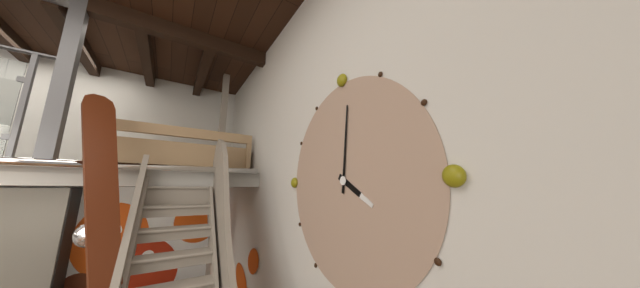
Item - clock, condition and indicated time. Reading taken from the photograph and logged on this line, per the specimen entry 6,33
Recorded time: 4,01
